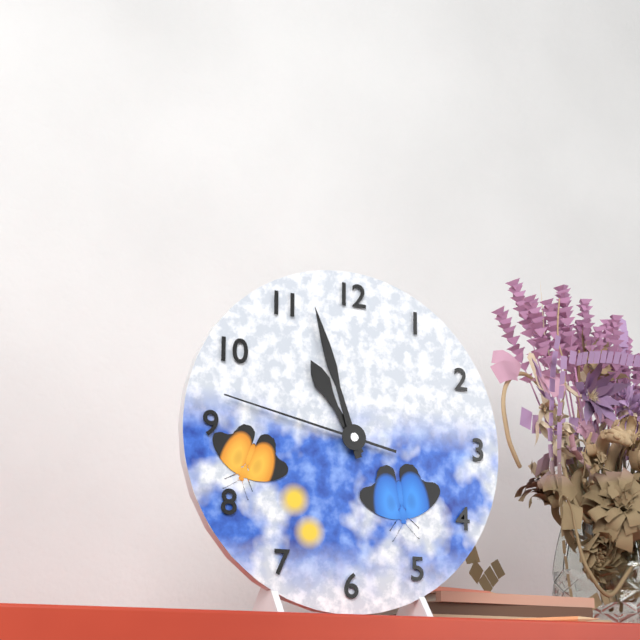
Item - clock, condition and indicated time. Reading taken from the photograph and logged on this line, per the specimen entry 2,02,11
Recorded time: 10,57,47
